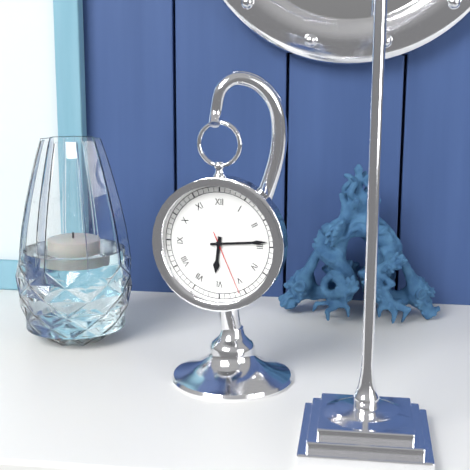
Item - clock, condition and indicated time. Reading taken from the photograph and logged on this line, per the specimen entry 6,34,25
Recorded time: 6,14,26
